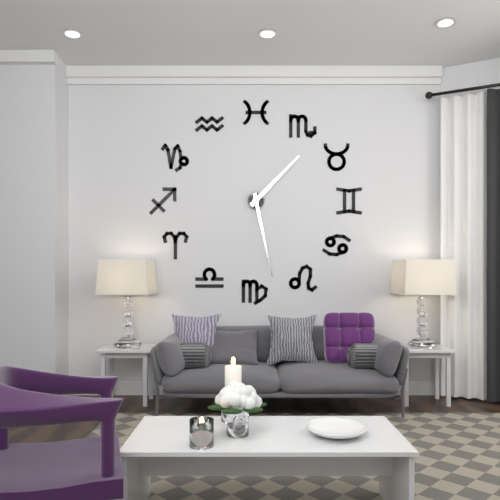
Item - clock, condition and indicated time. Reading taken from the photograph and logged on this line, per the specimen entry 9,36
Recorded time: 1,28
